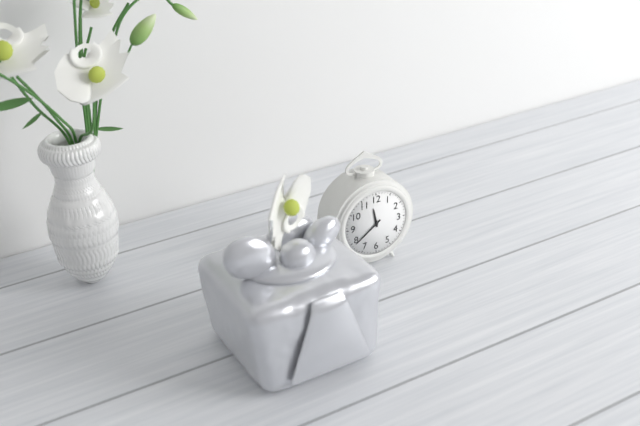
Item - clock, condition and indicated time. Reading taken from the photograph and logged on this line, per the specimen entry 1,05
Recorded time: 11,39
